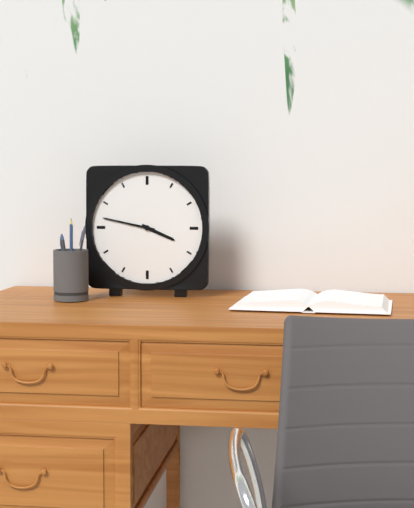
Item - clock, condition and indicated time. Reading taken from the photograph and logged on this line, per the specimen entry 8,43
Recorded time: 3,47
